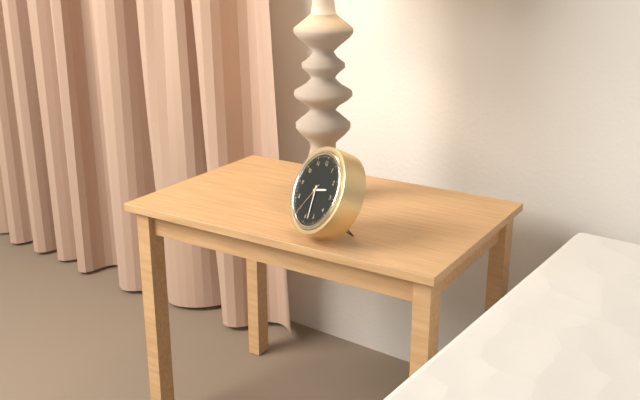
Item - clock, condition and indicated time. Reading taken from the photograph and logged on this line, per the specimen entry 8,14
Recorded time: 2,28
